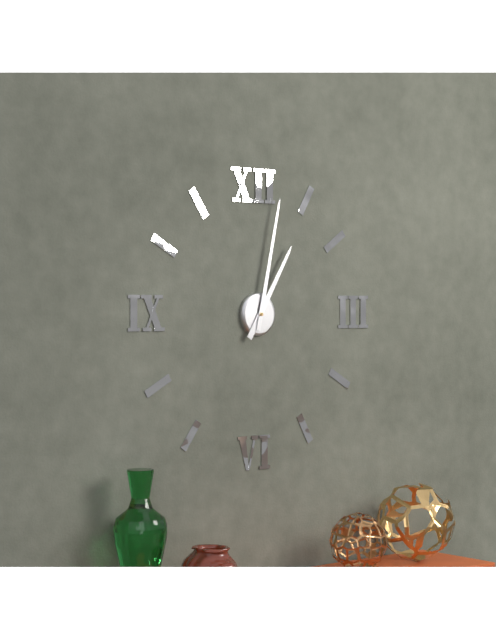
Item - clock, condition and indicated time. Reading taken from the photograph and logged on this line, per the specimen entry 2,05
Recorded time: 1,02
